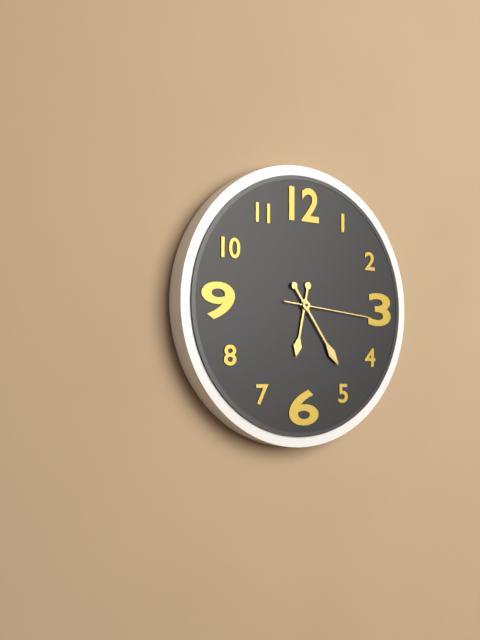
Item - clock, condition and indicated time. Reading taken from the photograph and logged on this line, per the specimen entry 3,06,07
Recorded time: 6,24,16
